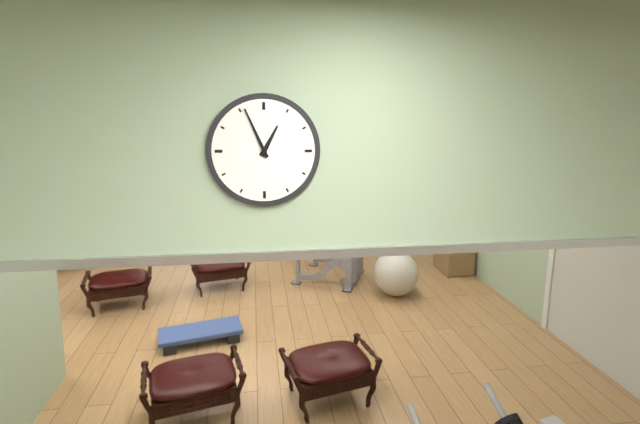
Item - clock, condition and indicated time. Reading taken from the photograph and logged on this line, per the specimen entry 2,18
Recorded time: 12,56
